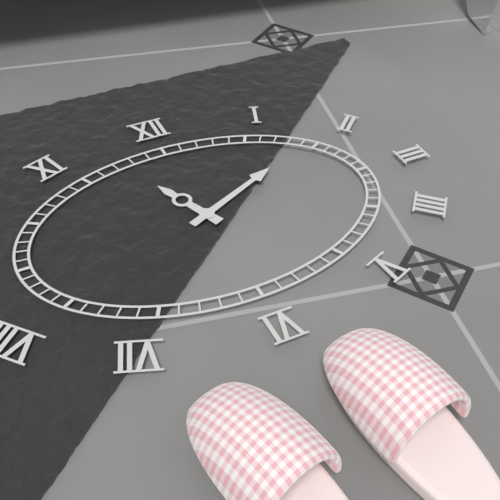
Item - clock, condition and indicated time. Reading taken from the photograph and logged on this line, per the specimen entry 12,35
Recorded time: 11,11
